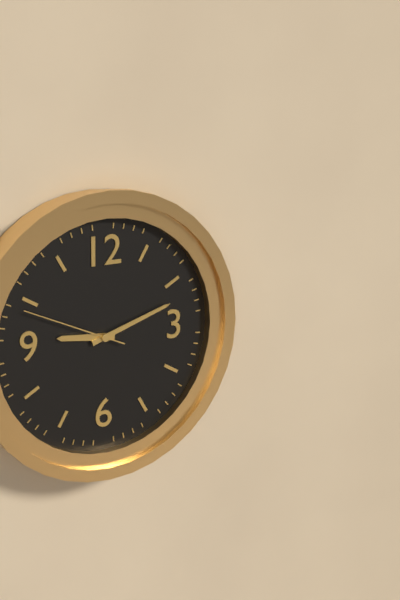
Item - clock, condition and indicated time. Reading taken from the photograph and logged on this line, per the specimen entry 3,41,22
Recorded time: 9,12,49
